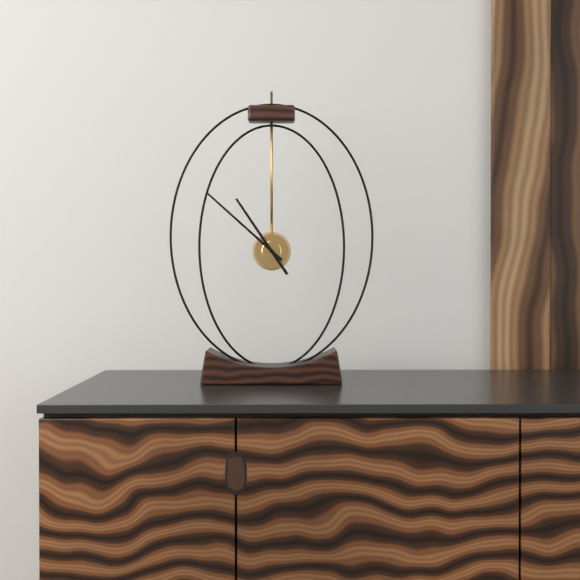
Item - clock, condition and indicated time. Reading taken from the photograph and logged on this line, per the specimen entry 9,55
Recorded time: 10,52
